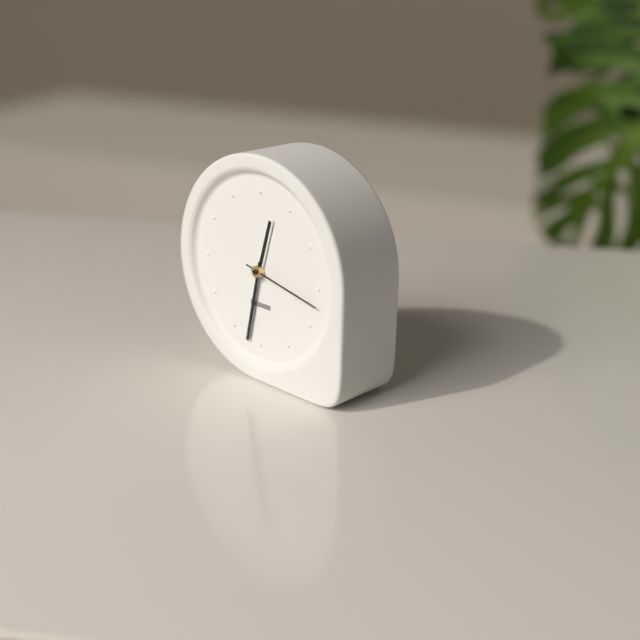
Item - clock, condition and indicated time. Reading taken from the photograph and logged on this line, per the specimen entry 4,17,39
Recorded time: 12,32,17
